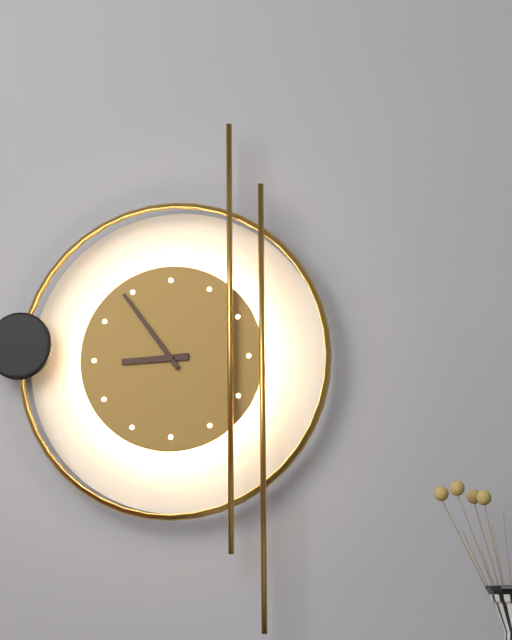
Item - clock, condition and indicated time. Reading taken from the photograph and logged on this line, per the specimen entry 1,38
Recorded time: 8,54
